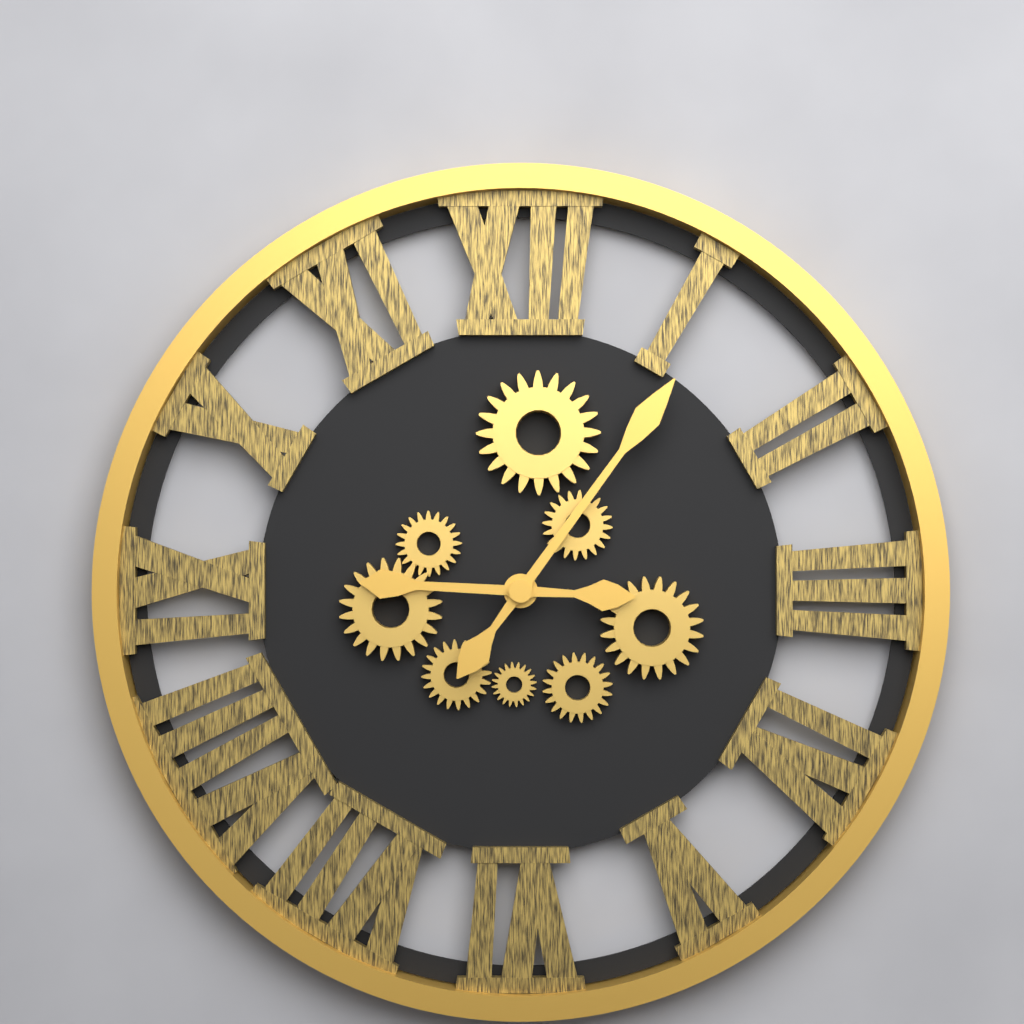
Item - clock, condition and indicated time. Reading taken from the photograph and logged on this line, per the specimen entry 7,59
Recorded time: 9,06
